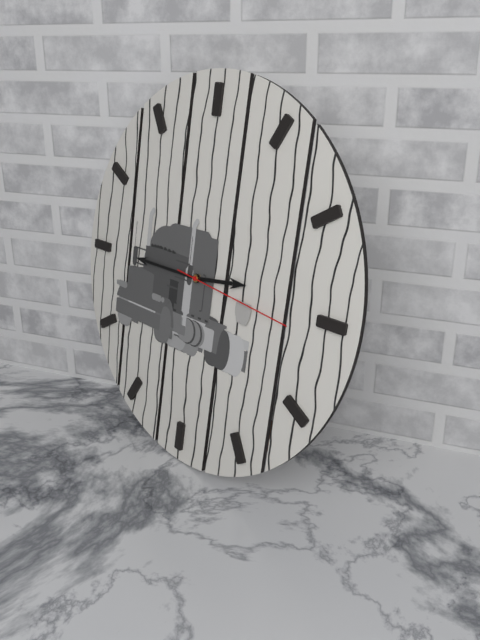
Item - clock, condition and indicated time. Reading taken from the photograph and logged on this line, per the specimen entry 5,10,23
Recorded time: 2,45,16
